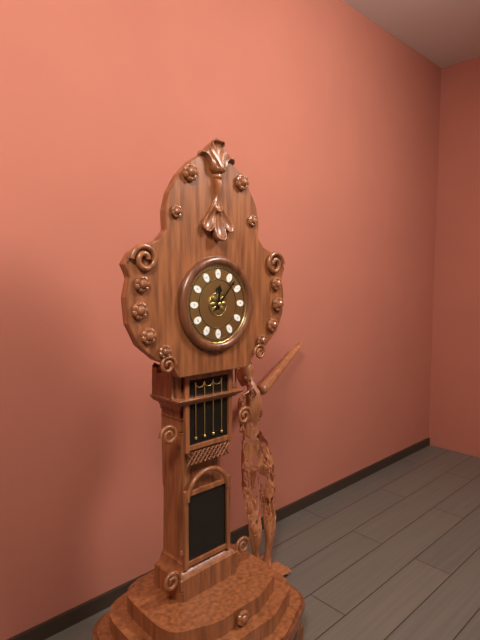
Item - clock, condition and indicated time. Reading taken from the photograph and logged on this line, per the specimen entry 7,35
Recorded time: 12,07
